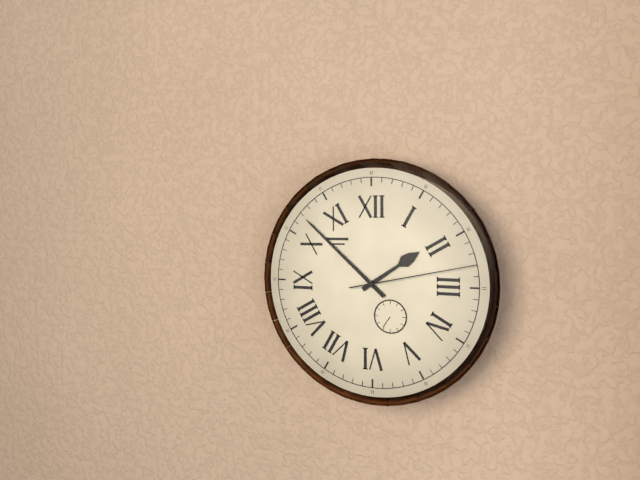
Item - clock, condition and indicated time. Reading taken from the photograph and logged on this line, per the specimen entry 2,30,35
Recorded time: 1,52,13
